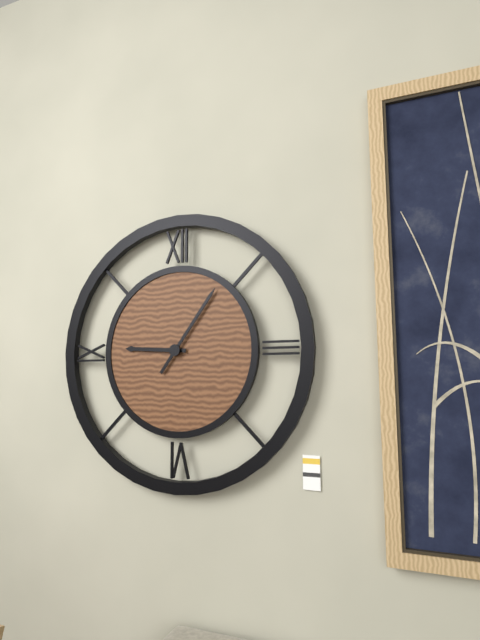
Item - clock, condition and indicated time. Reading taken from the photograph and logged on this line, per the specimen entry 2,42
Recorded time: 9,06
